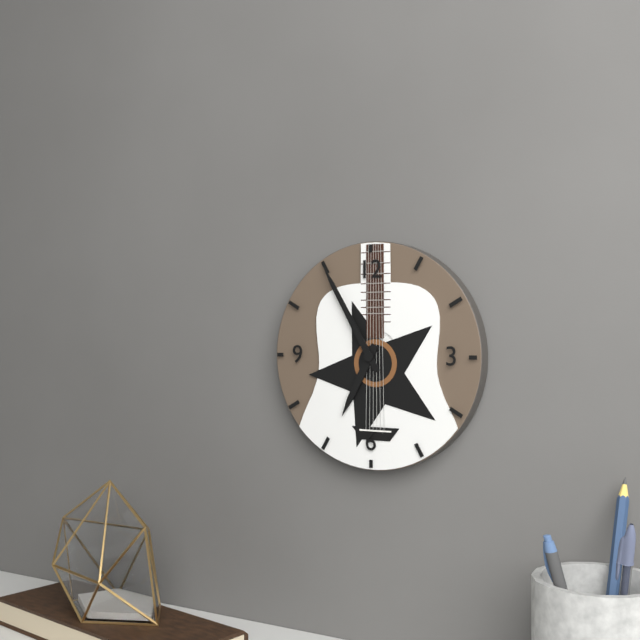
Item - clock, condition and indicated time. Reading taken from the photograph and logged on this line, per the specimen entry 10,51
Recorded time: 6,55
